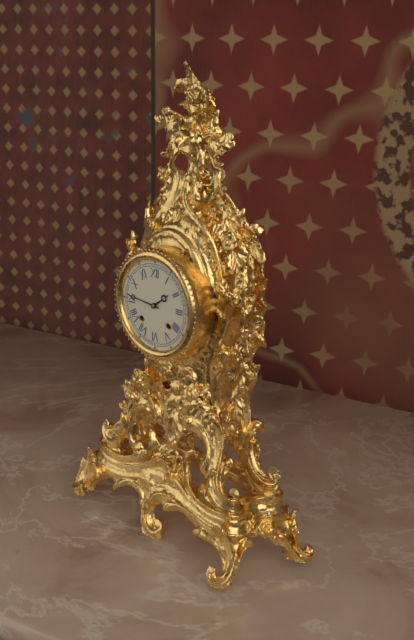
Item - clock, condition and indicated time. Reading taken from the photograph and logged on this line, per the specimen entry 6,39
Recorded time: 1,46
